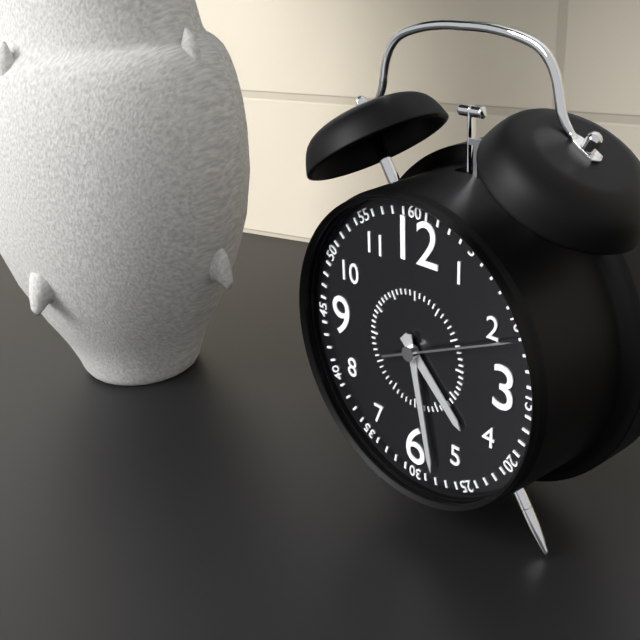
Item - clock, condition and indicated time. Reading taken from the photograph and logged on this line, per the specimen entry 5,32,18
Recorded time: 4,28,11
